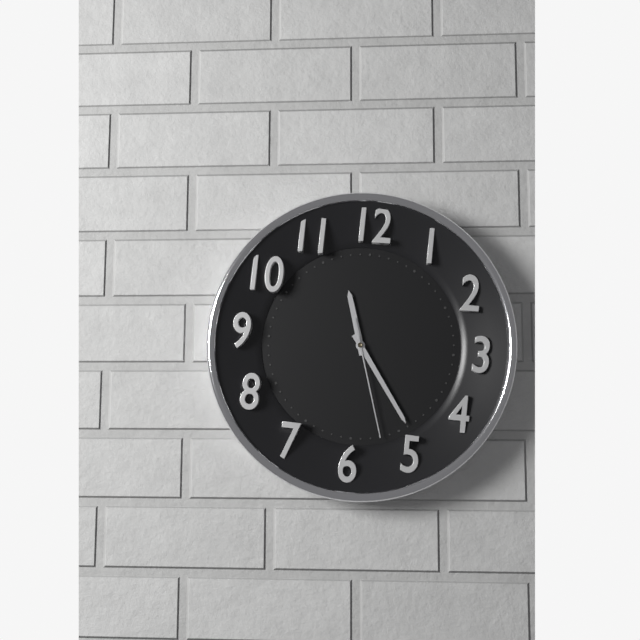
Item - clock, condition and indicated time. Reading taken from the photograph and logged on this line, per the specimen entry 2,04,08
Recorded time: 11,24,27
